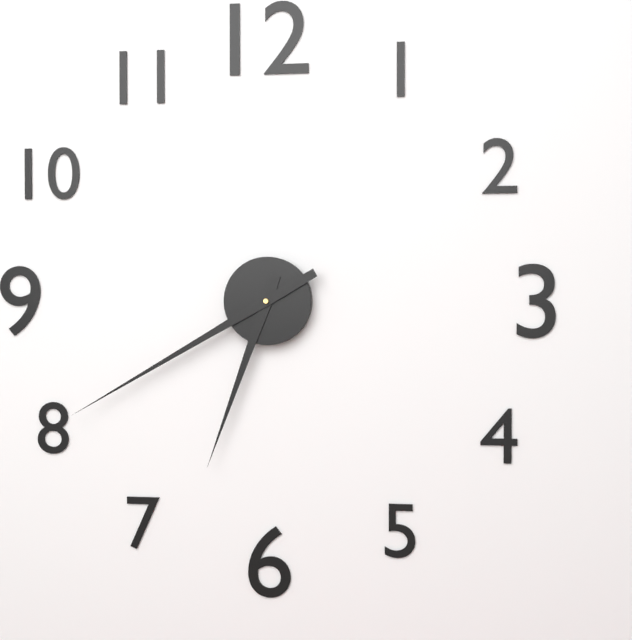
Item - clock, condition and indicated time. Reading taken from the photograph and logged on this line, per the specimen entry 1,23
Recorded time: 6,40
